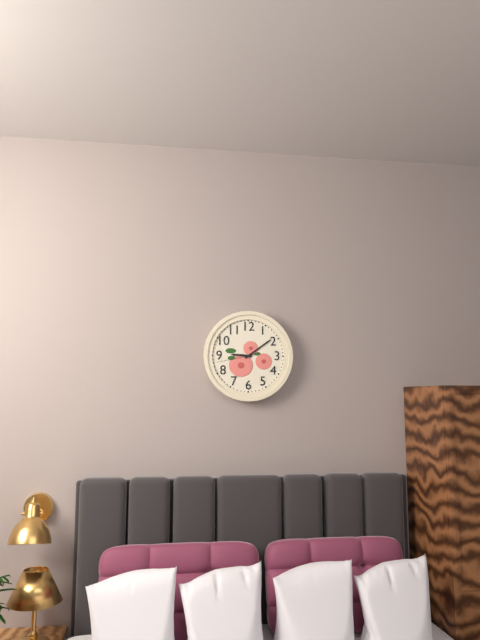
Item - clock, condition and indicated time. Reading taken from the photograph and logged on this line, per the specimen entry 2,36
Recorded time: 9,09
